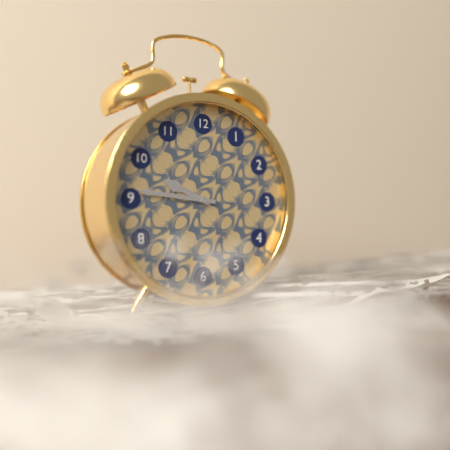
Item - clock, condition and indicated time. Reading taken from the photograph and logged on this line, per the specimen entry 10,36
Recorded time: 9,46
